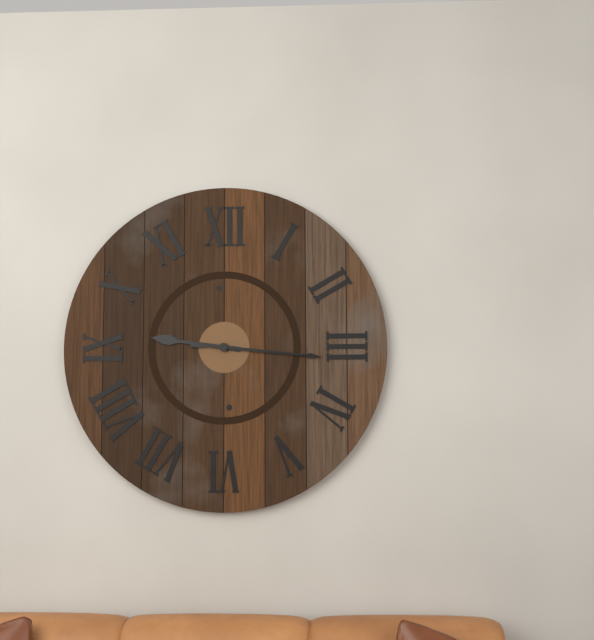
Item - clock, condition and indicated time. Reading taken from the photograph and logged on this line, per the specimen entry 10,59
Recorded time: 9,16
